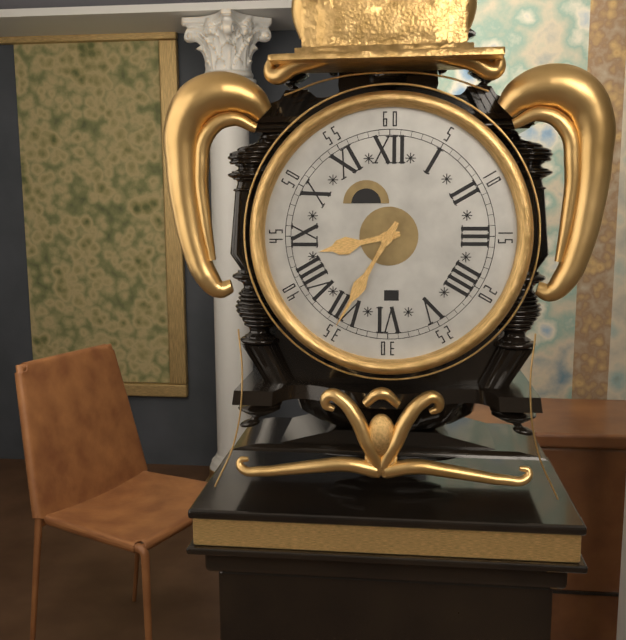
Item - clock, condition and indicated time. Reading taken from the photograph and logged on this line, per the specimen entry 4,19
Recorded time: 8,35
